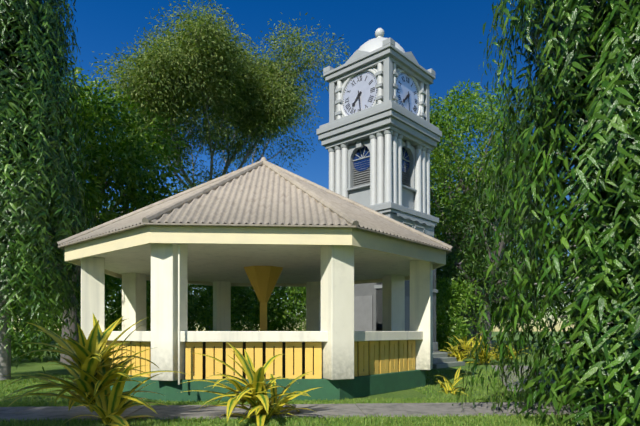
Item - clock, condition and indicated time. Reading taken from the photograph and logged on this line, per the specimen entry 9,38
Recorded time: 7,29
